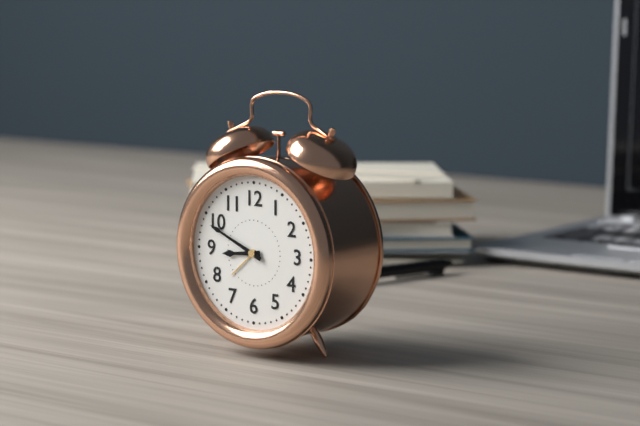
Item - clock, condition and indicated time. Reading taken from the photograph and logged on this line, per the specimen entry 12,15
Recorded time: 8,49
